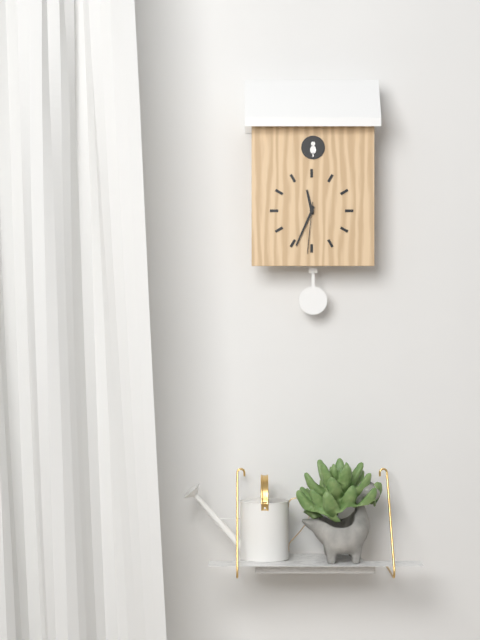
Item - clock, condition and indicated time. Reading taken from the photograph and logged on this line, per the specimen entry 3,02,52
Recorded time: 11,34,31
